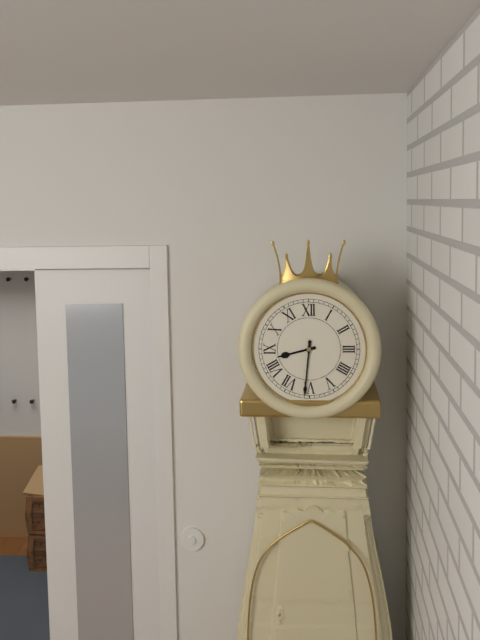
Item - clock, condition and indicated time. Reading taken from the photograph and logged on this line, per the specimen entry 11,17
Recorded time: 8,31
